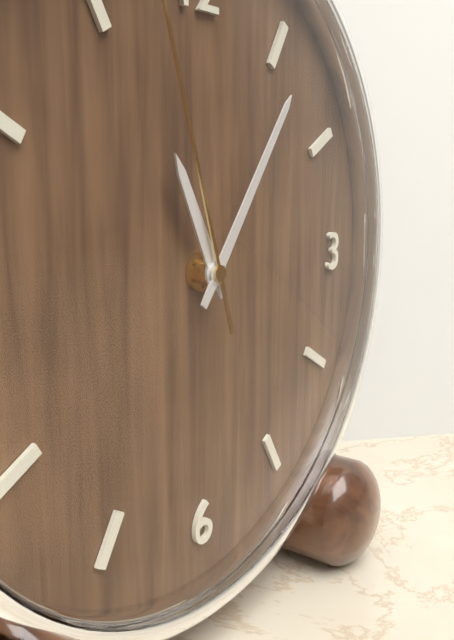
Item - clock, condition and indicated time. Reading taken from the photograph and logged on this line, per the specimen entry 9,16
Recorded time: 11,06
